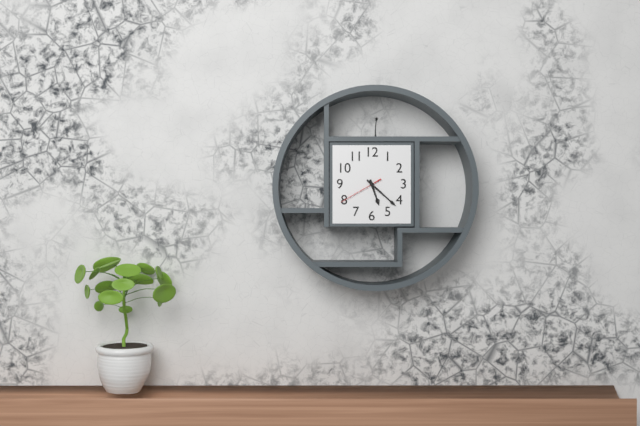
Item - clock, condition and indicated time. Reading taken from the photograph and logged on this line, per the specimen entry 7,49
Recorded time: 5,22
